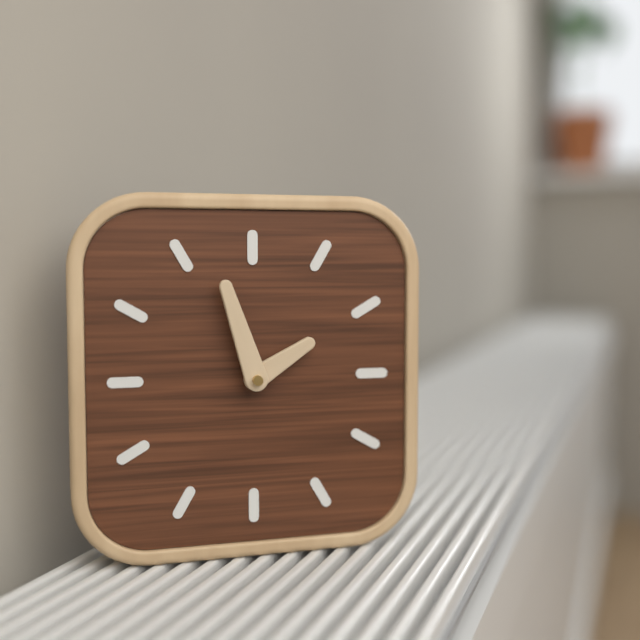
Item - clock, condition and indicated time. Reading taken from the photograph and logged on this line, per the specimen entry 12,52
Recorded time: 1,57
